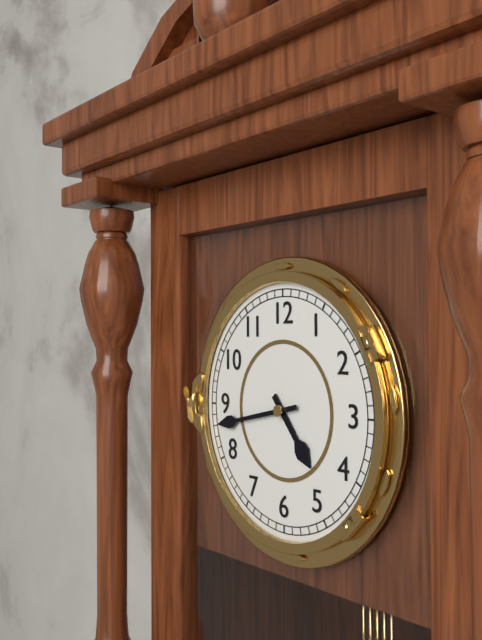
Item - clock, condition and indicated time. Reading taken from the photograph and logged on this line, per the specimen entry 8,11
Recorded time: 4,43
